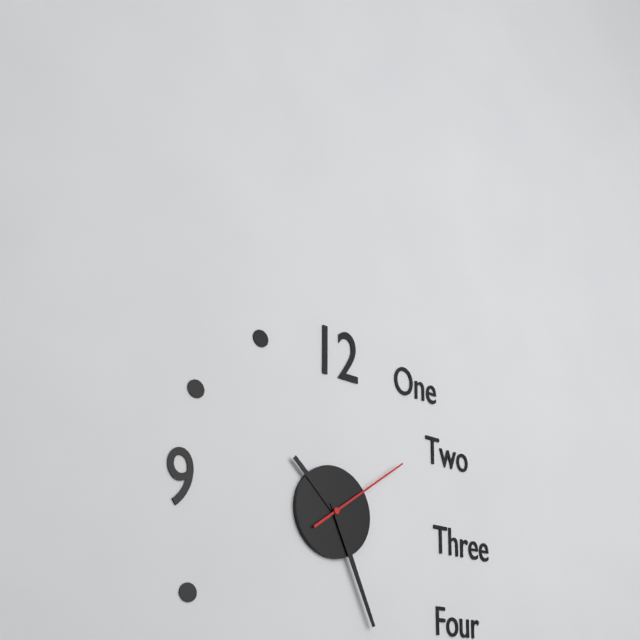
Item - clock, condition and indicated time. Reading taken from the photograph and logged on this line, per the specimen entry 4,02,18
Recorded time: 10,26,09
